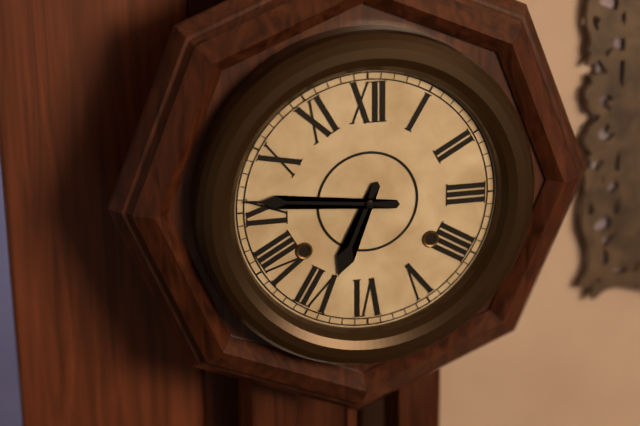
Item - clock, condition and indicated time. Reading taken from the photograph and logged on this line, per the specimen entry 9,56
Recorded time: 6,46
